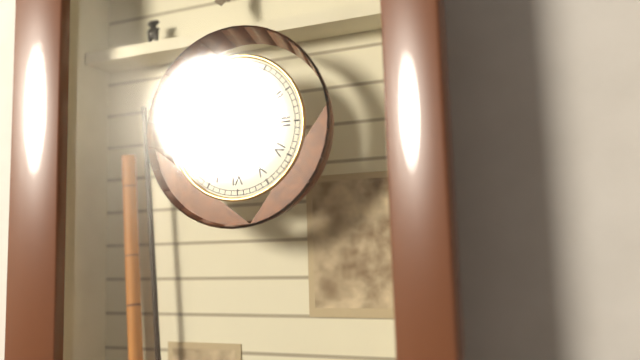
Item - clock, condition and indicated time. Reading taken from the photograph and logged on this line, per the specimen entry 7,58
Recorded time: 1,45
